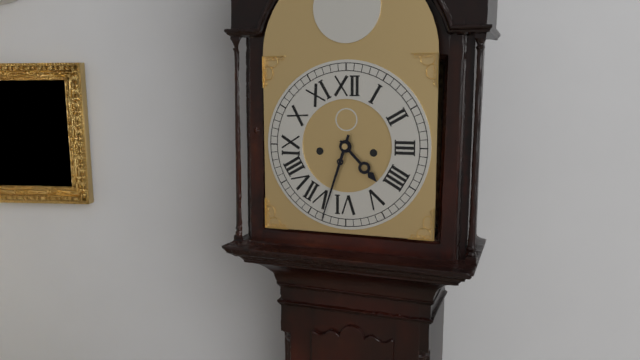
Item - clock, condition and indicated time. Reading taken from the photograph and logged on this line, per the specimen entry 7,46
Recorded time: 4,33
